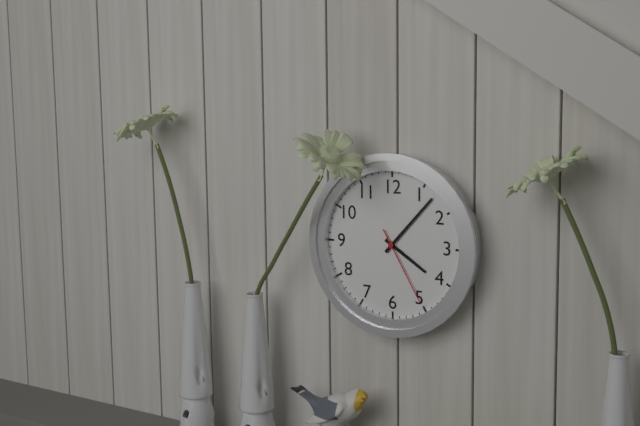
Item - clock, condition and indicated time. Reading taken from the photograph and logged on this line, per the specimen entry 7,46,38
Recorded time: 4,07,25
